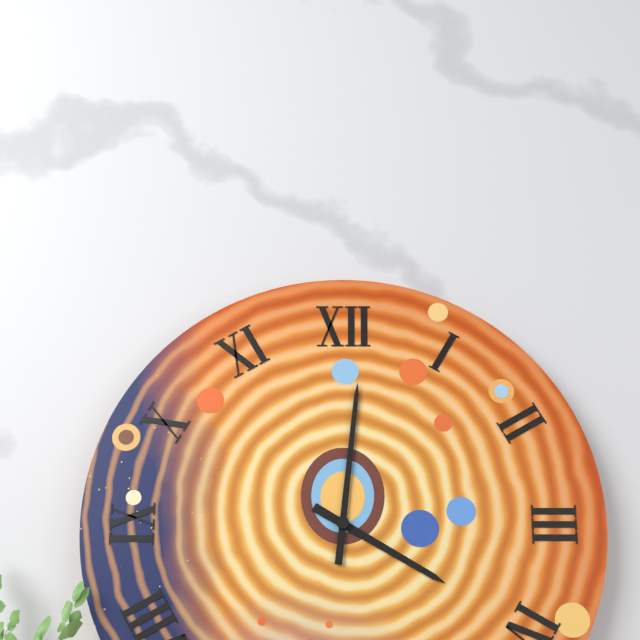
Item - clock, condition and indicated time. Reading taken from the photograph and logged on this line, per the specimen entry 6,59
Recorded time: 4,01
